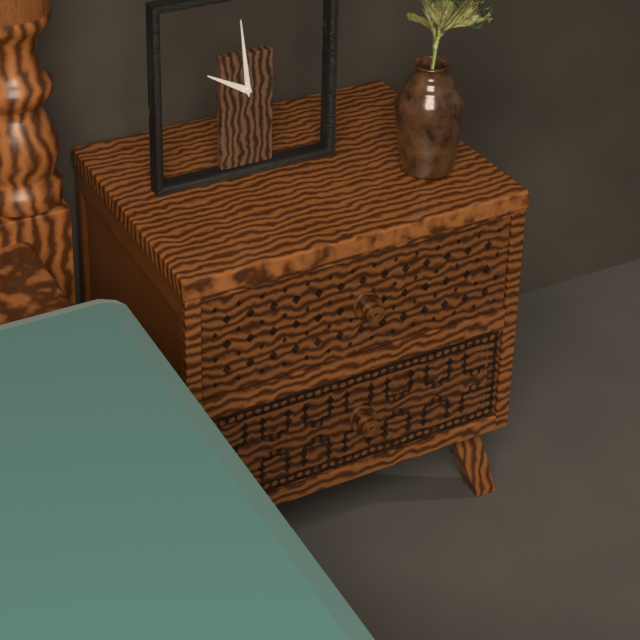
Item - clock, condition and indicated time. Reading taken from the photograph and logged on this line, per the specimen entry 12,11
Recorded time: 9,59
